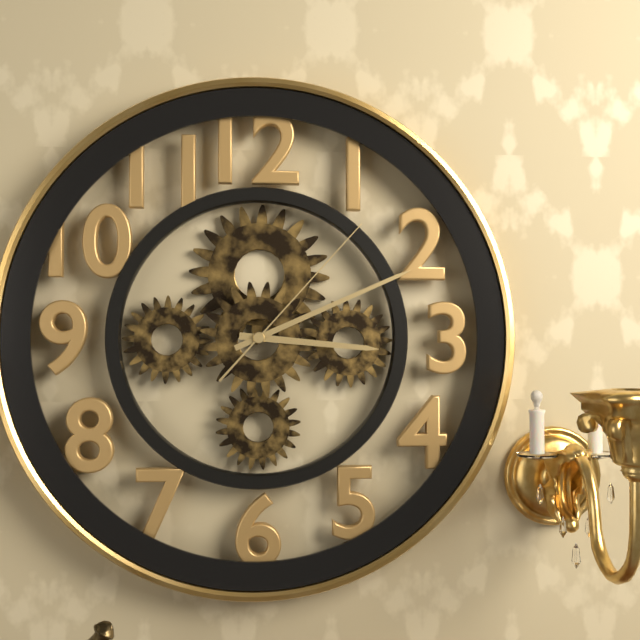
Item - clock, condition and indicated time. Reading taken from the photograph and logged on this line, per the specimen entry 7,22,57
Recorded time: 3,11,07
